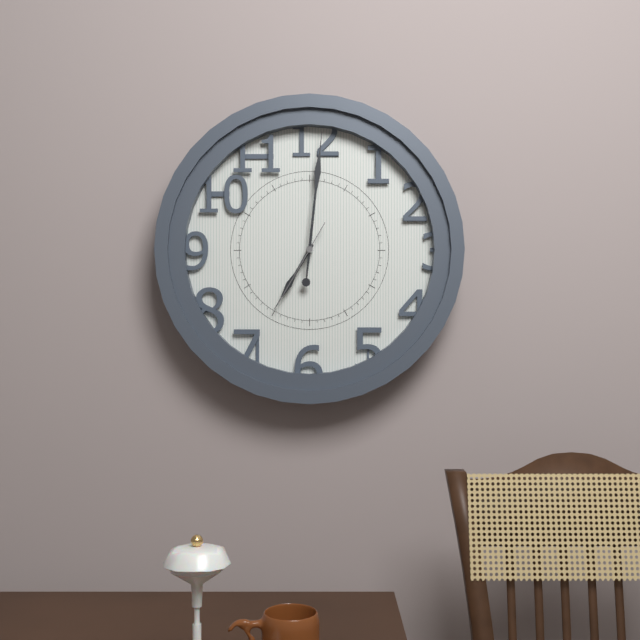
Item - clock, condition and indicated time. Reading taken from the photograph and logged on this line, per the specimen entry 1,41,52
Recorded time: 7,01,35
